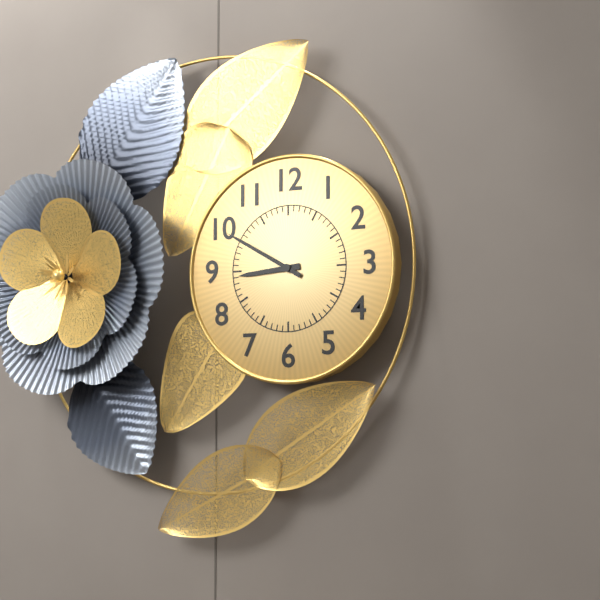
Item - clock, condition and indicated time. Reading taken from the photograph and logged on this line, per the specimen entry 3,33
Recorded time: 8,50
